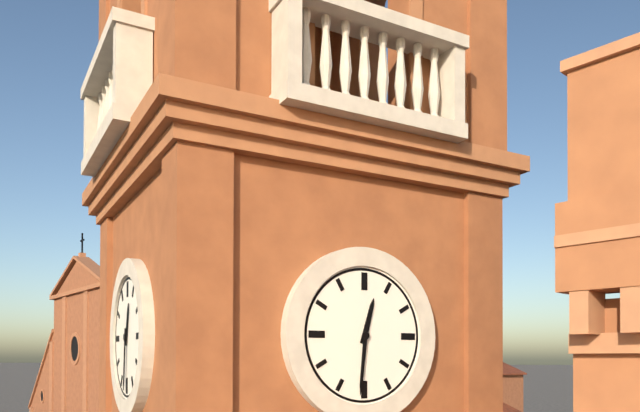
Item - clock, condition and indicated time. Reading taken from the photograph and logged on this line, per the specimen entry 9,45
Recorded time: 12,31
